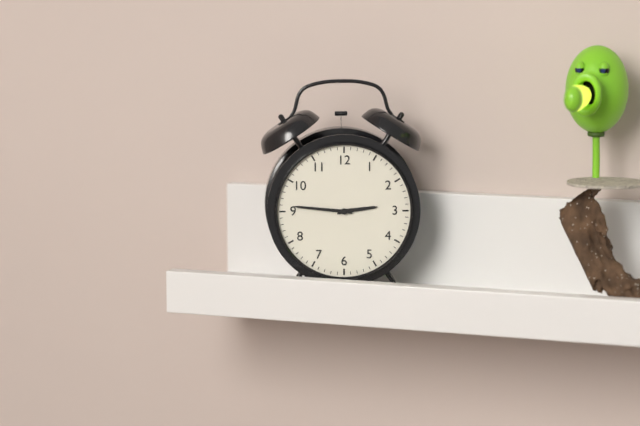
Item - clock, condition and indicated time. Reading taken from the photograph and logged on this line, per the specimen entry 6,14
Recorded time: 2,46
